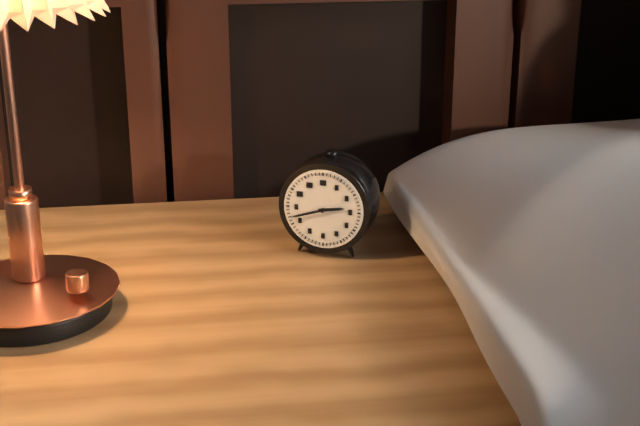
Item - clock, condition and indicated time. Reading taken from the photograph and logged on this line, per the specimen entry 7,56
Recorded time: 2,42
